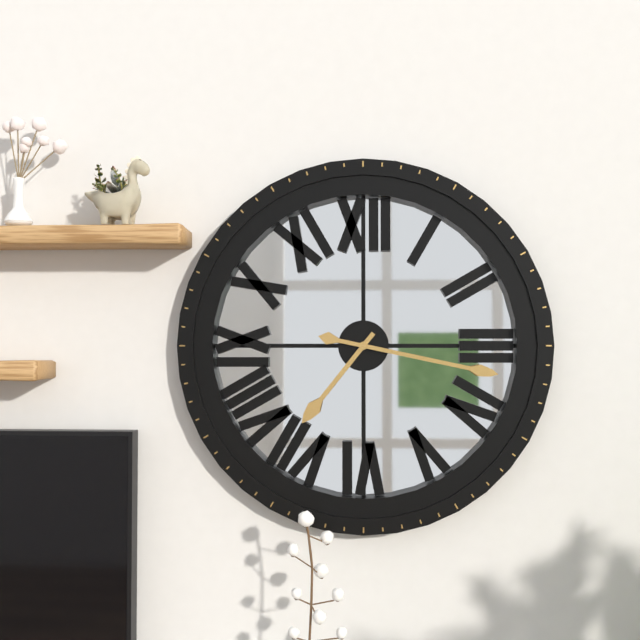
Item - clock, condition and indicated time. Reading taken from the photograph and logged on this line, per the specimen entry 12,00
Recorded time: 7,17
